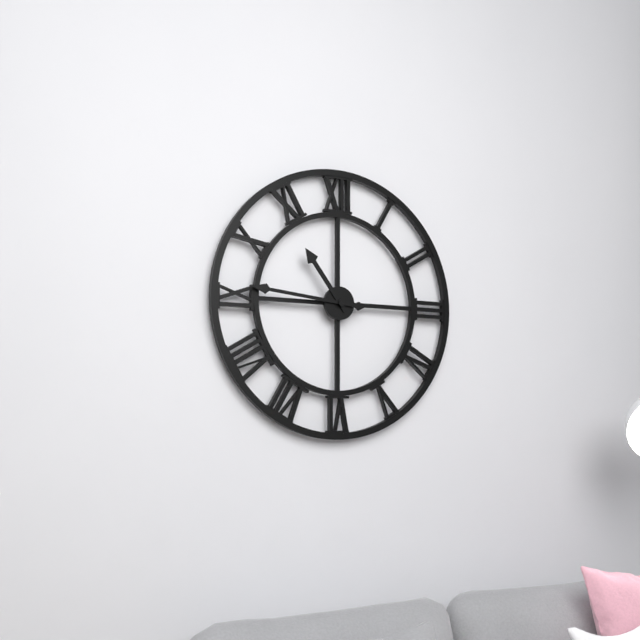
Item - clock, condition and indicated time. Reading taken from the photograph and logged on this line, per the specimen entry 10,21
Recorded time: 10,46
